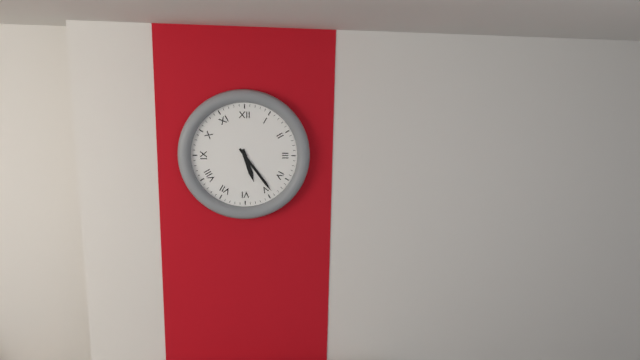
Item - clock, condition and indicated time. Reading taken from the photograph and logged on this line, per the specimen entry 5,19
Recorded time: 5,24
